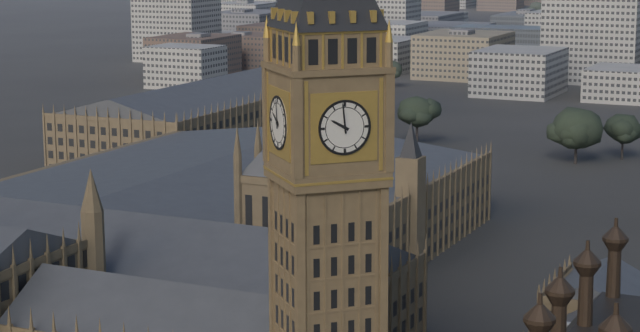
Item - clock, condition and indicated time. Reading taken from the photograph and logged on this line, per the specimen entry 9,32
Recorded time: 9,59
